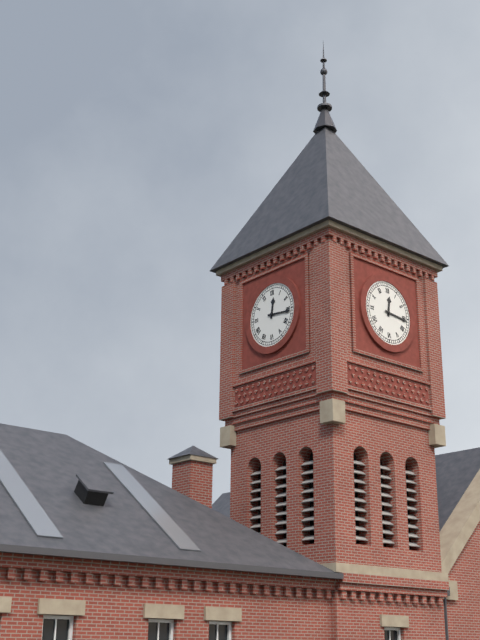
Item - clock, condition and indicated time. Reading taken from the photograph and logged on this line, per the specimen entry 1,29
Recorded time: 12,16
